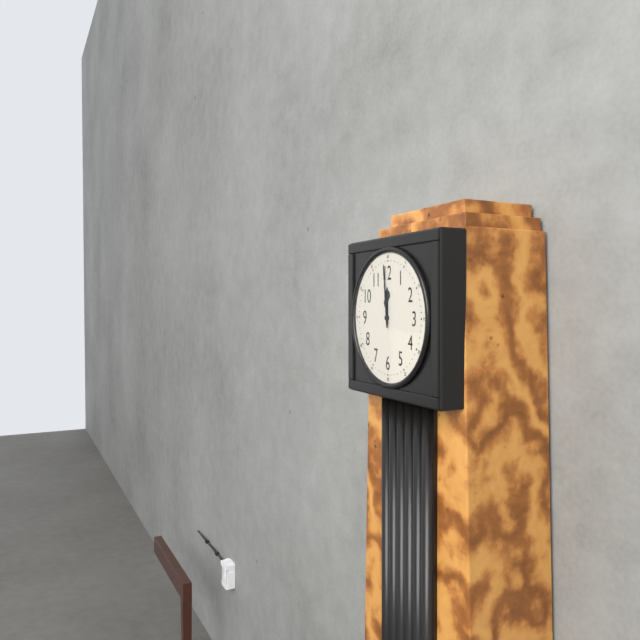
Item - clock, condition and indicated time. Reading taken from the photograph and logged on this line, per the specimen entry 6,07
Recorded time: 11,59
